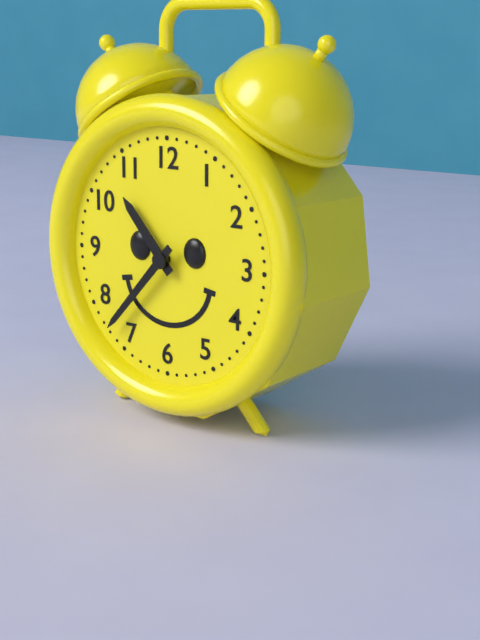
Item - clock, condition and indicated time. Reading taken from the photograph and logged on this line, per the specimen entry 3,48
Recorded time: 10,37
